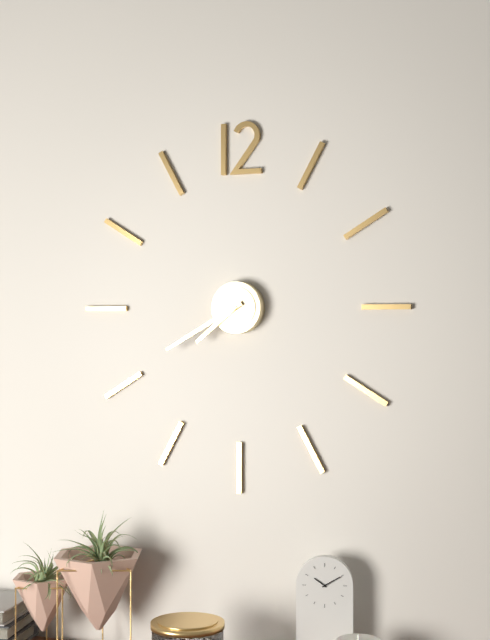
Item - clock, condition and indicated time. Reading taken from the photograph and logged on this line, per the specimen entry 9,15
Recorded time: 7,40
